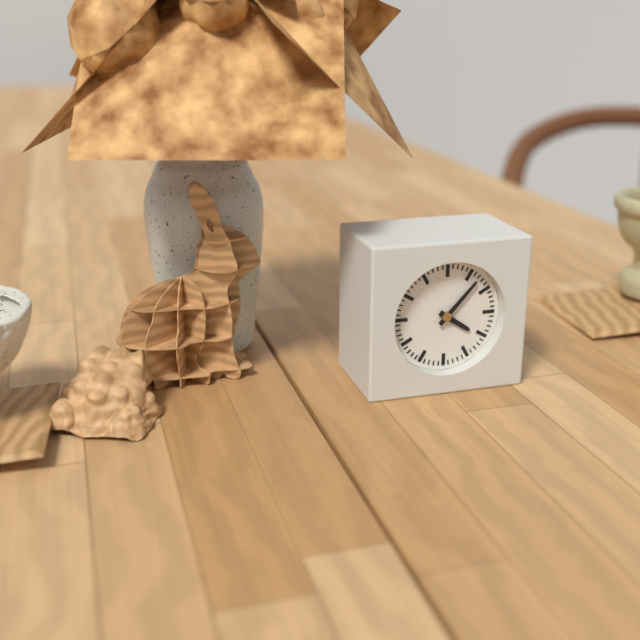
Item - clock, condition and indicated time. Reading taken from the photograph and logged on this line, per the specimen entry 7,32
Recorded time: 4,07
